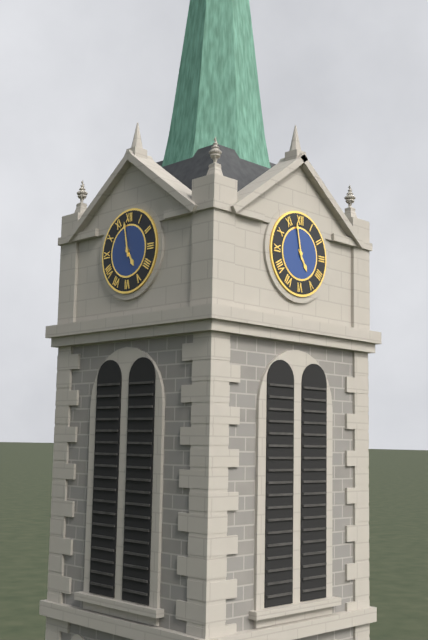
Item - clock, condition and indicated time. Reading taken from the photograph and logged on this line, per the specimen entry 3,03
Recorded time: 4,58
